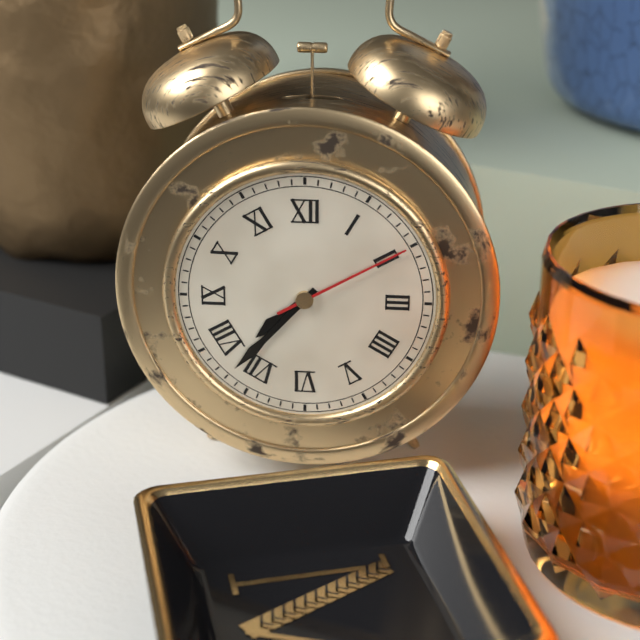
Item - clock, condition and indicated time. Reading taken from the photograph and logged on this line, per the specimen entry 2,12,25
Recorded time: 7,37,10
